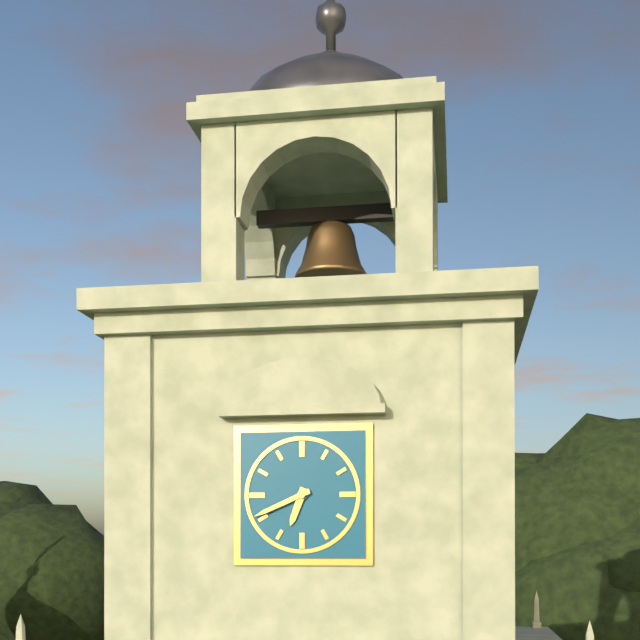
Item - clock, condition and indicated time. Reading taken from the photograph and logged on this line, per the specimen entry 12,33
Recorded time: 6,41
